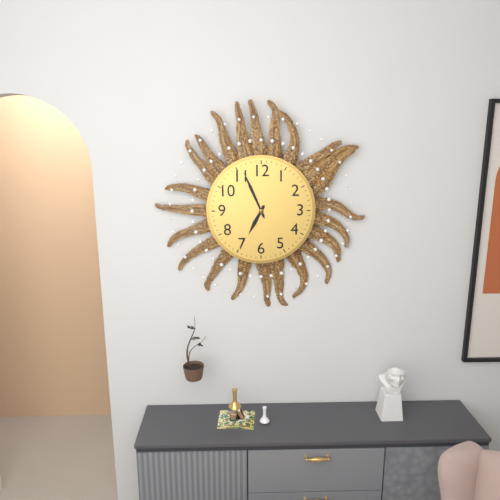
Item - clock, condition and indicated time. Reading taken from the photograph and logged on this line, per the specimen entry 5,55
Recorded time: 6,56
